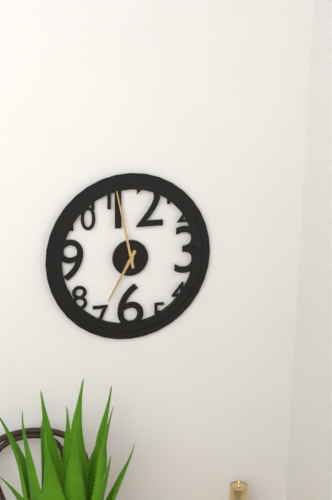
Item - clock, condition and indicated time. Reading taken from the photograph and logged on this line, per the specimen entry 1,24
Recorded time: 6,58
